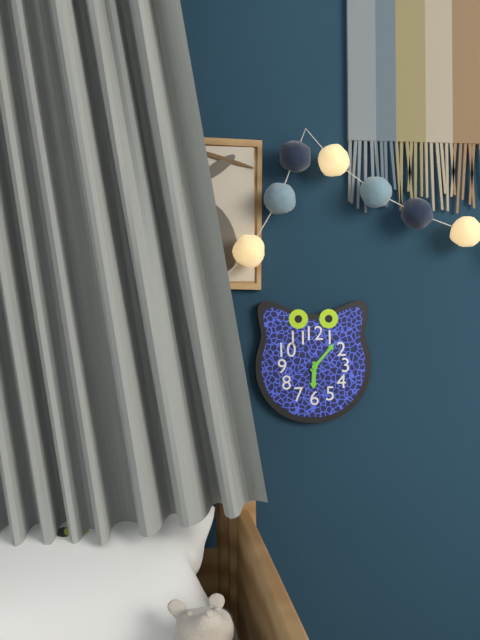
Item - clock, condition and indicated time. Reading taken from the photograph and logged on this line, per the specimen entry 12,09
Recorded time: 6,07
